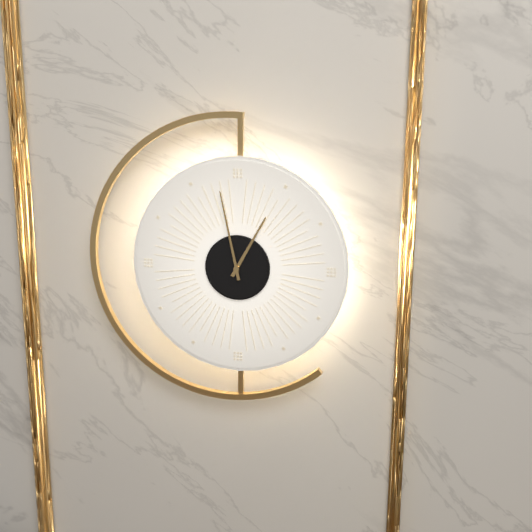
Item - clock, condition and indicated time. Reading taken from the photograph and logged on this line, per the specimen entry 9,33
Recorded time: 12,58
